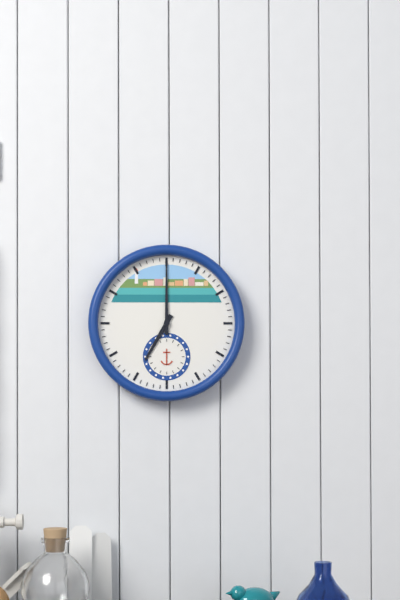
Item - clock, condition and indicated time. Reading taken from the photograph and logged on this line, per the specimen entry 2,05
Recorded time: 7,00
